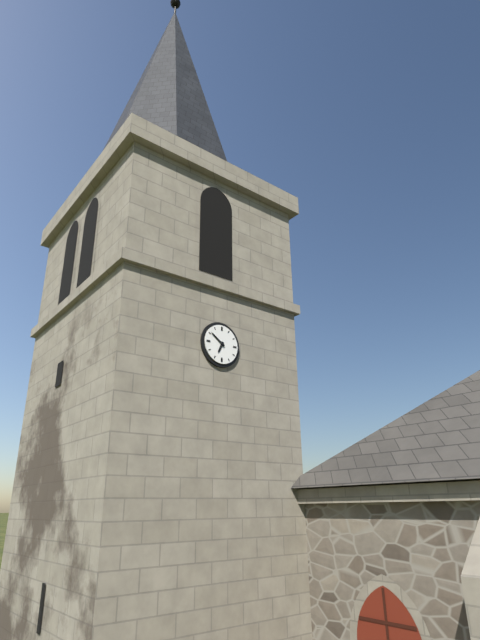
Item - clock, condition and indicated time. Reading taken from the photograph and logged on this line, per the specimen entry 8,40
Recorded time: 6,51
